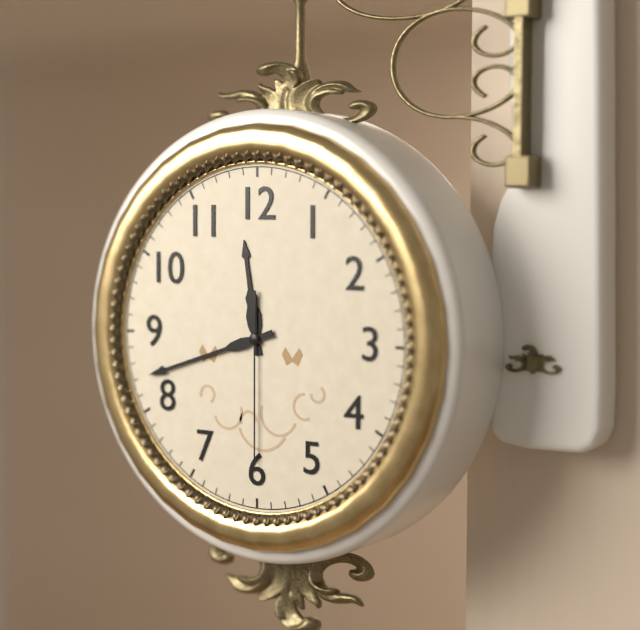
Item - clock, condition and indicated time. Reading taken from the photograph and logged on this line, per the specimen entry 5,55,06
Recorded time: 11,42,30
